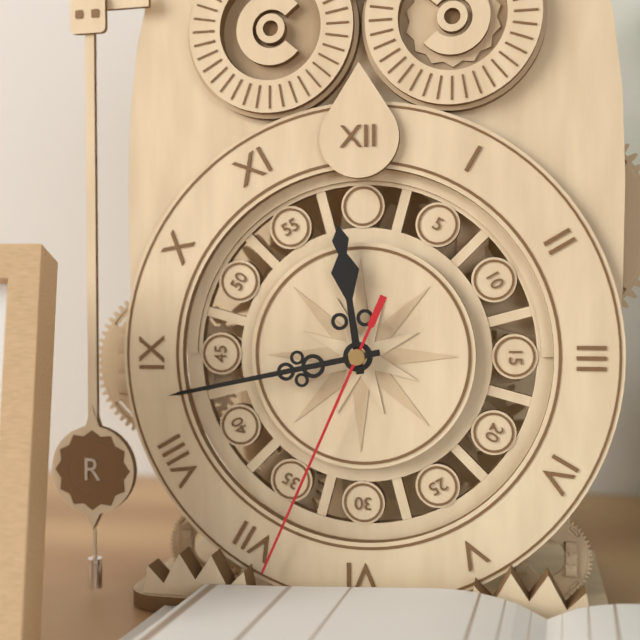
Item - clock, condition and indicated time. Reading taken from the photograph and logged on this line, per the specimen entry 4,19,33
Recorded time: 11,43,34
